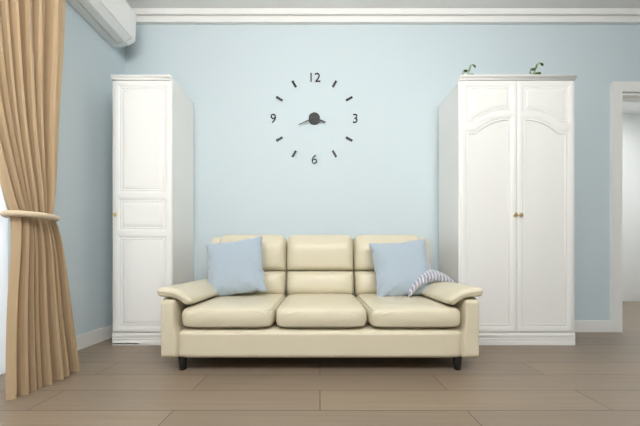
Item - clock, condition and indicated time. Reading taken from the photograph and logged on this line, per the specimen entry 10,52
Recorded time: 3,41
